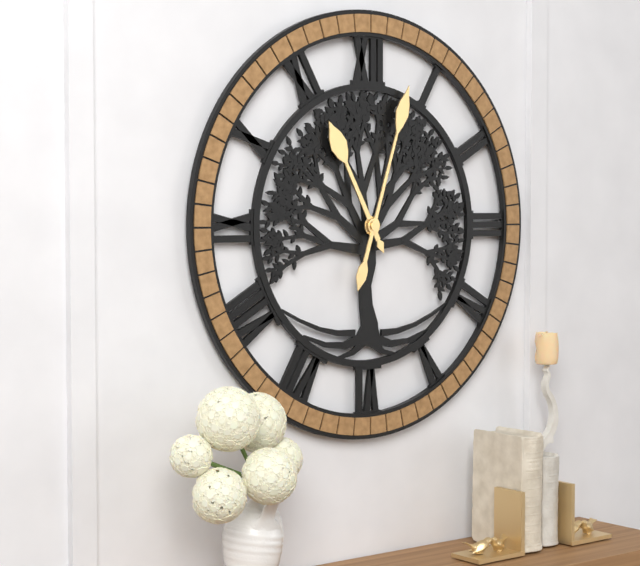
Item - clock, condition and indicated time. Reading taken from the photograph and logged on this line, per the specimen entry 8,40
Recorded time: 11,03
